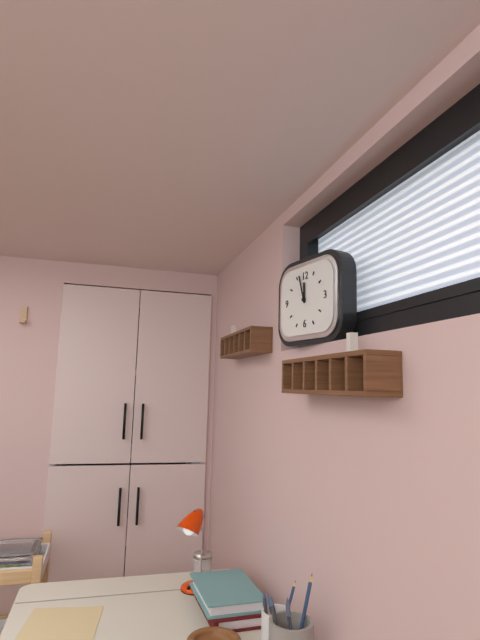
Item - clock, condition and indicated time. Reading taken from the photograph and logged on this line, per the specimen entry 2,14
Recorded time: 11,57
